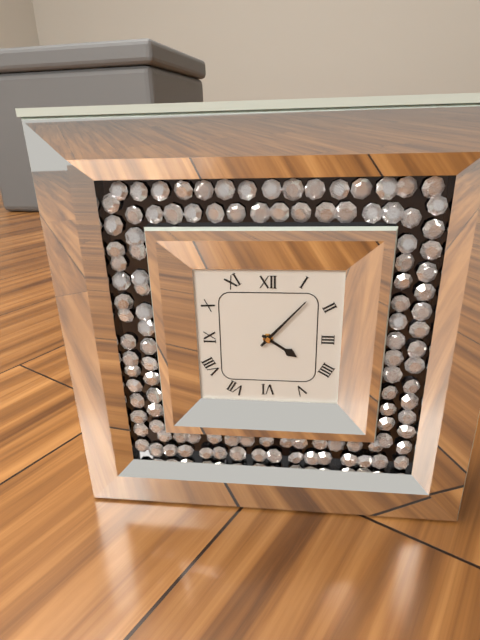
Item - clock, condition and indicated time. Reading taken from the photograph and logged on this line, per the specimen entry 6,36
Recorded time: 4,07
